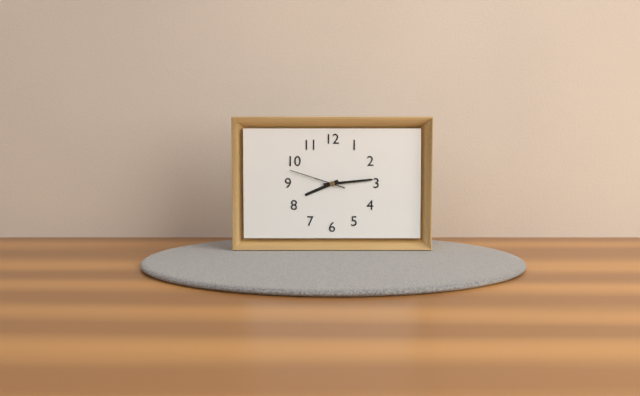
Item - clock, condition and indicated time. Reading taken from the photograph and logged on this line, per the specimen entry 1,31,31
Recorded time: 8,14,48
